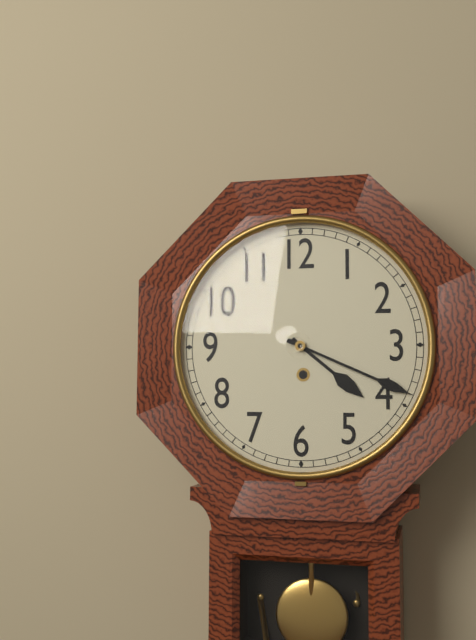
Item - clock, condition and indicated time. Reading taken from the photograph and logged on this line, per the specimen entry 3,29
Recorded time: 4,19
